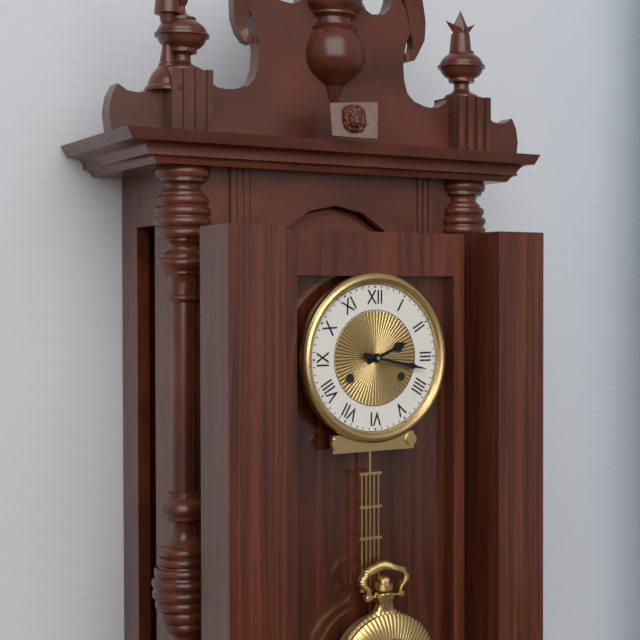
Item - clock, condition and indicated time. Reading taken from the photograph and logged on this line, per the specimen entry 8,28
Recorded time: 2,17
